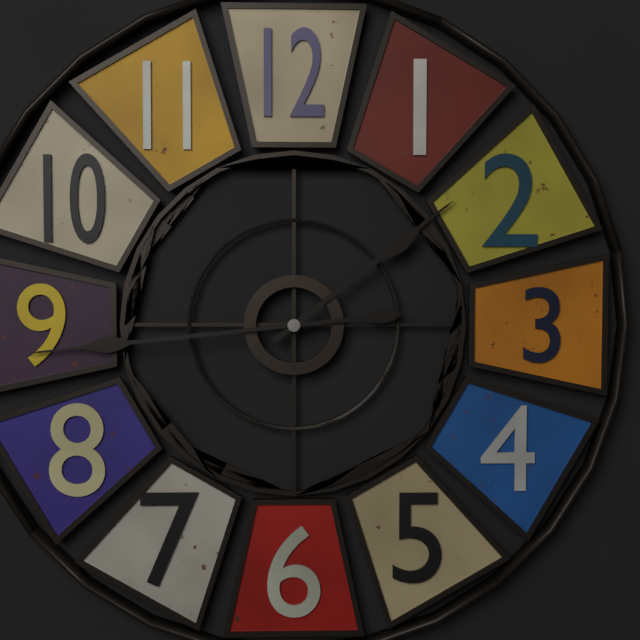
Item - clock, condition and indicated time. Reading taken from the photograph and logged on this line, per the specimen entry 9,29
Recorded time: 1,44
